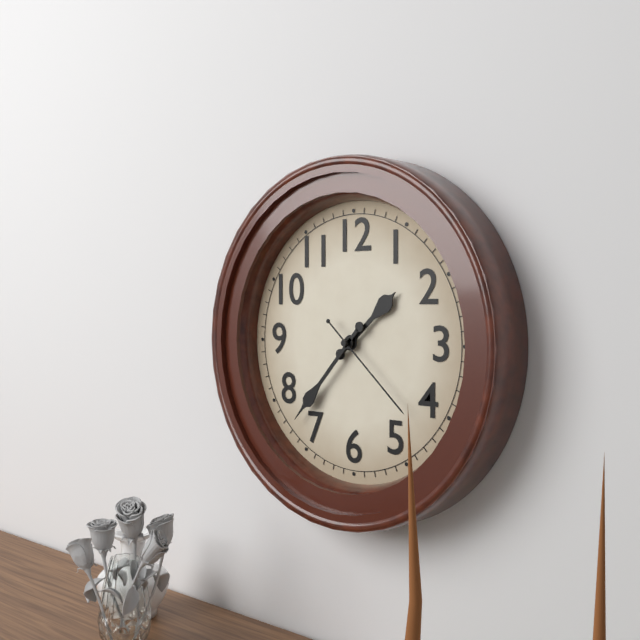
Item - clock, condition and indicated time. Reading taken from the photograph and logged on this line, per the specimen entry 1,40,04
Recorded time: 1,37,22
